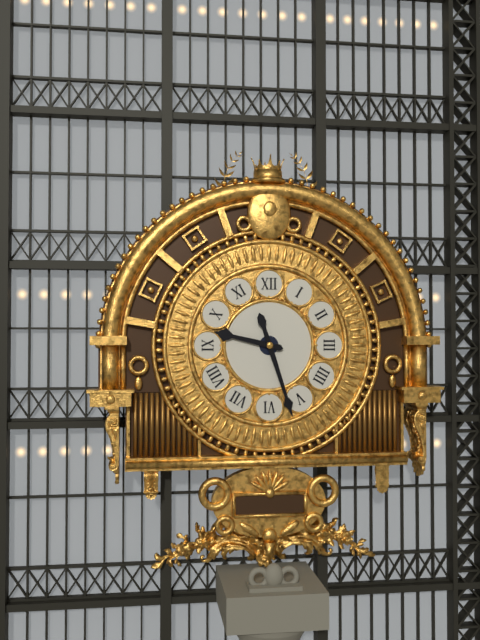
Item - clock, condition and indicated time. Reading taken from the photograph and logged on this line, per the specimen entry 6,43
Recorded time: 9,27
